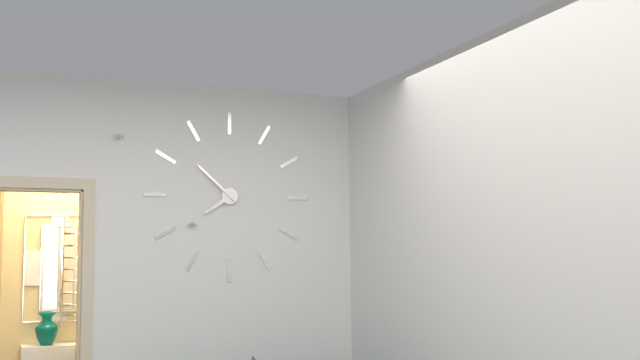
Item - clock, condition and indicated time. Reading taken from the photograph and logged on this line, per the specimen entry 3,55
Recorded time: 7,52
